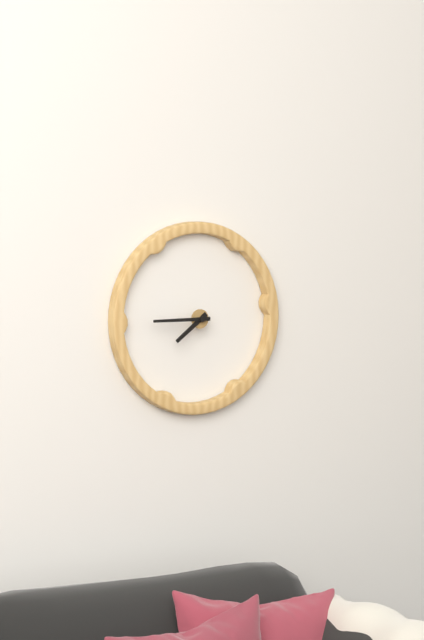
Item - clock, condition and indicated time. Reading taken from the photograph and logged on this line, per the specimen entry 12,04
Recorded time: 7,45
